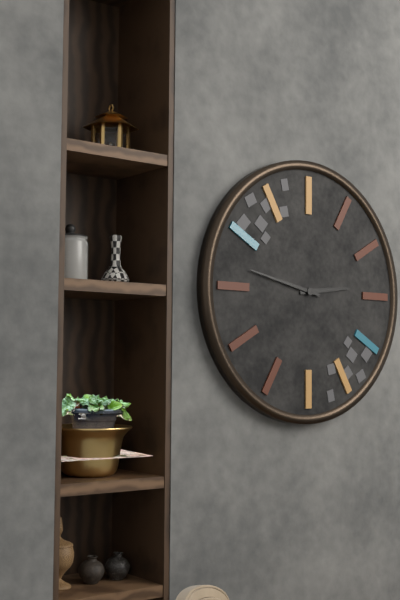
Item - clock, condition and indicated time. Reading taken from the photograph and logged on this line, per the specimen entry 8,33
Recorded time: 2,47
